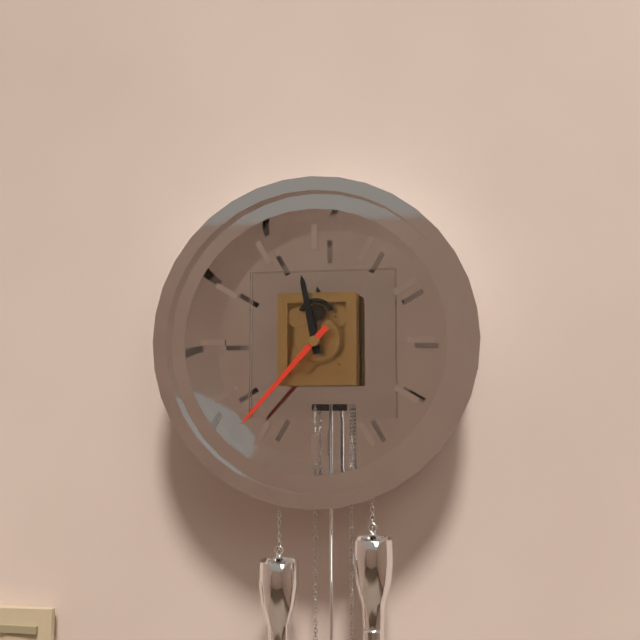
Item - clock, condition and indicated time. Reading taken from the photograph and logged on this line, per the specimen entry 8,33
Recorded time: 11,37
